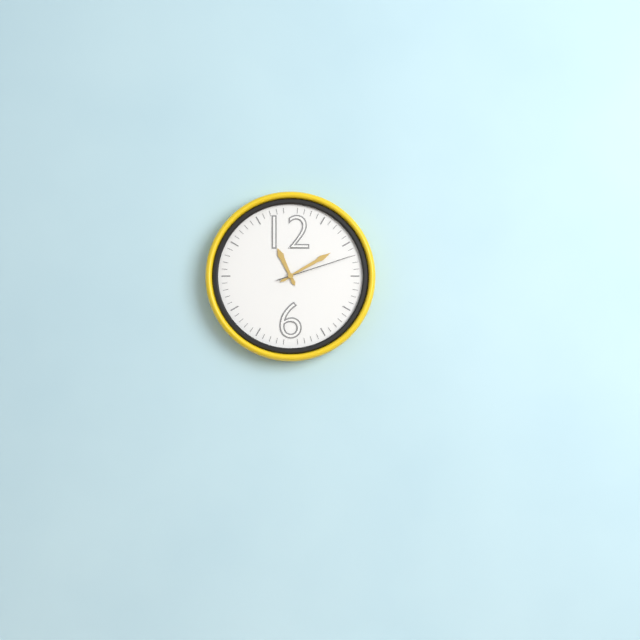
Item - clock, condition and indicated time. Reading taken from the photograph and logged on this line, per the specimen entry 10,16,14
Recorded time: 11,10,12
